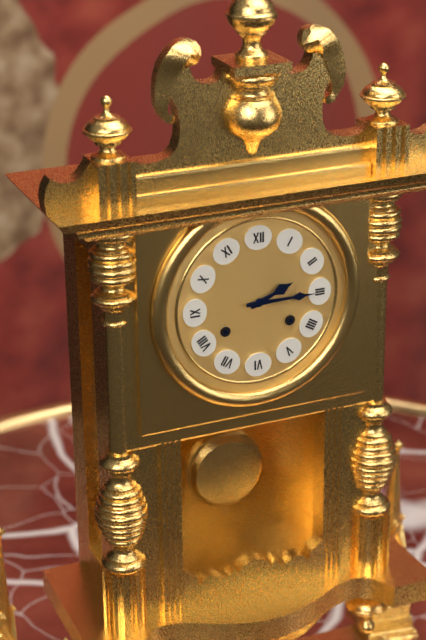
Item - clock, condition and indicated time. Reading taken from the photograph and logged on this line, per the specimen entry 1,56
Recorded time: 2,15
